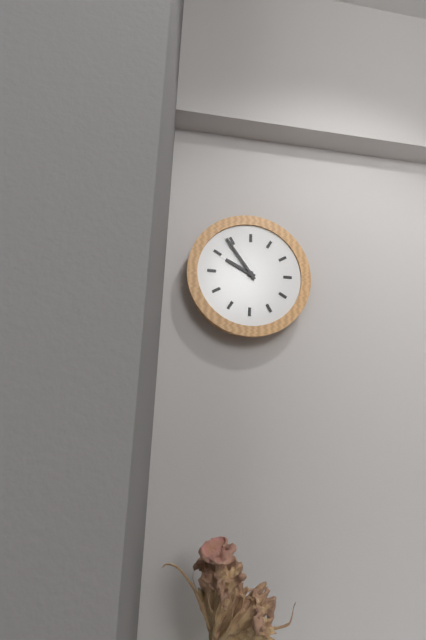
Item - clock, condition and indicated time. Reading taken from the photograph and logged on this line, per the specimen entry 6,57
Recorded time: 9,54
